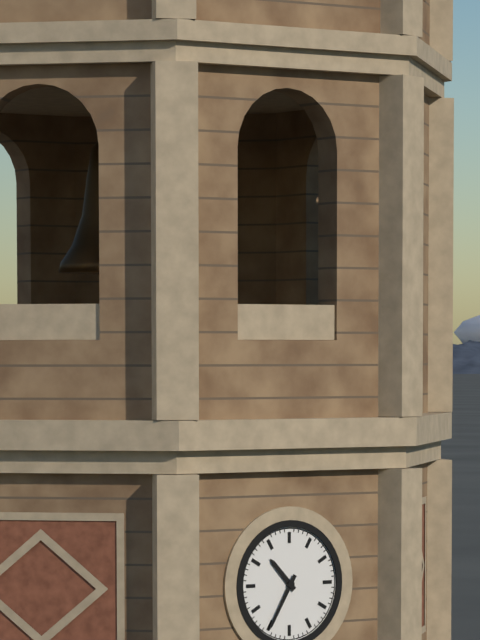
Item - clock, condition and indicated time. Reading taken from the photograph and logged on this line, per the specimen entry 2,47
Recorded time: 10,35
